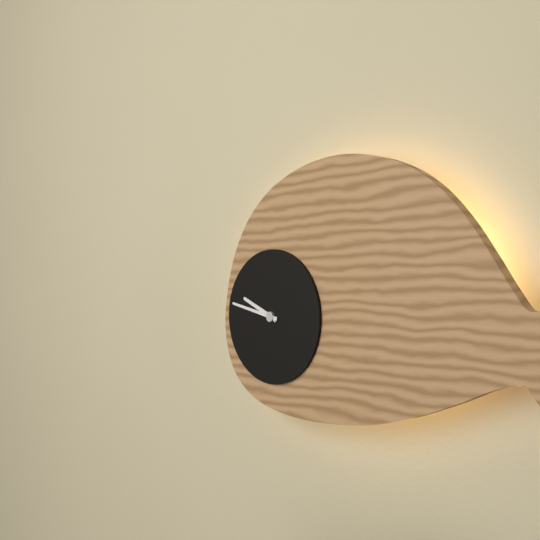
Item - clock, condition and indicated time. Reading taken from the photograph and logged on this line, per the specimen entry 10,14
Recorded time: 9,47
